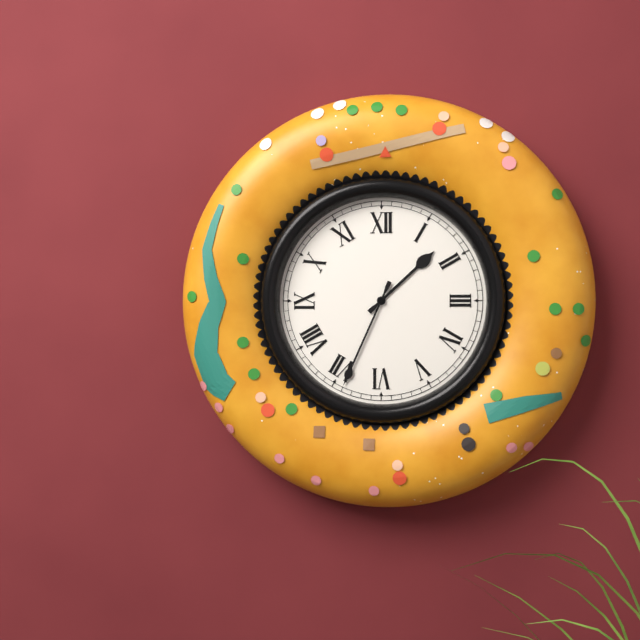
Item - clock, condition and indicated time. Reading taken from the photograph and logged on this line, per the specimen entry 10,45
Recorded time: 1,34
